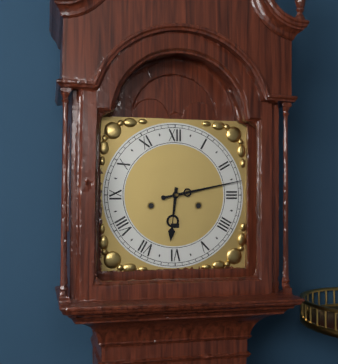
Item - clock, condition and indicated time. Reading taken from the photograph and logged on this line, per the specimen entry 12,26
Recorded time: 6,13
